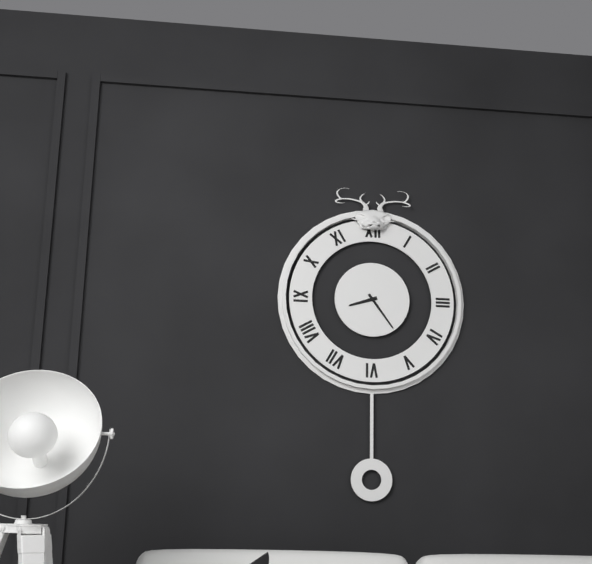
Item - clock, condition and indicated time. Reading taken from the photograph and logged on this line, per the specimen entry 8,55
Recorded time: 8,24
